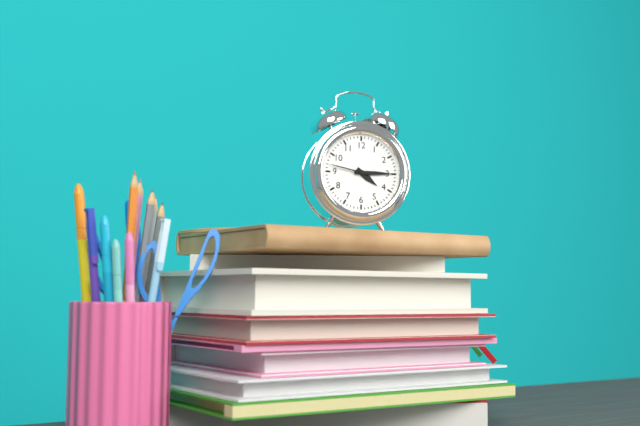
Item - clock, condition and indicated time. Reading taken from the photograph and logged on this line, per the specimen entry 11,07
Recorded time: 4,15
